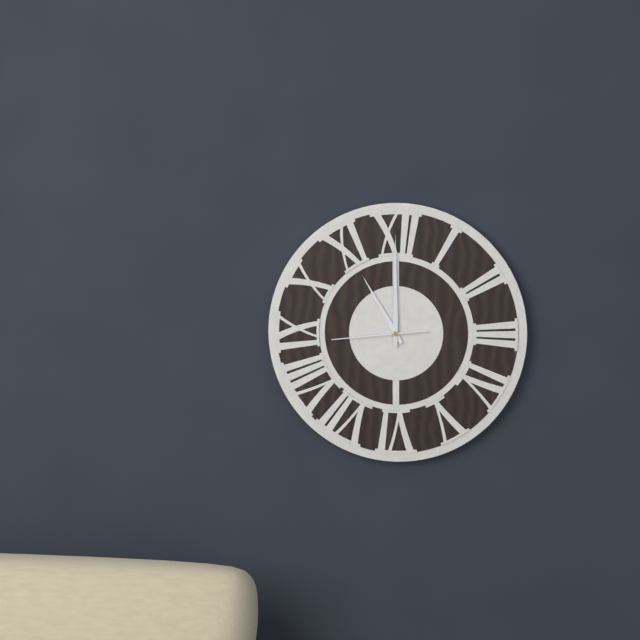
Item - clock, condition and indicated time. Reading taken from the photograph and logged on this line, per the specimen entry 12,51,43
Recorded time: 11,00,44
